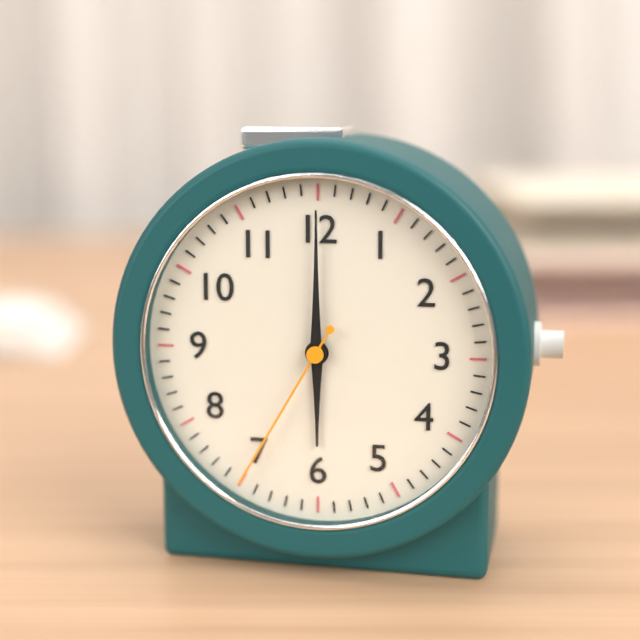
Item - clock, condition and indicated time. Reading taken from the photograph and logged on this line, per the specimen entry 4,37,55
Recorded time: 6,00,35
